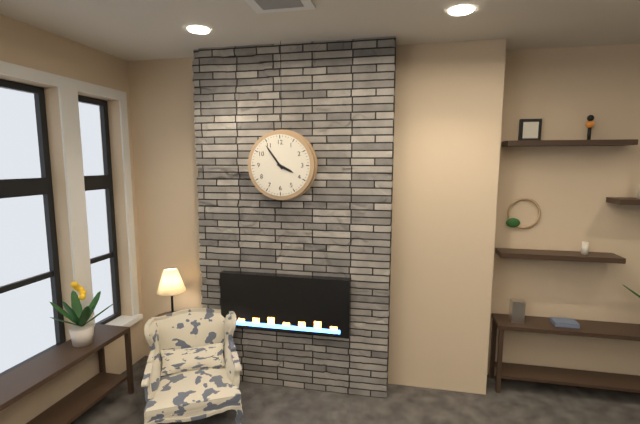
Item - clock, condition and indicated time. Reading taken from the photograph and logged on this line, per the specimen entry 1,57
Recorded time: 3,54
